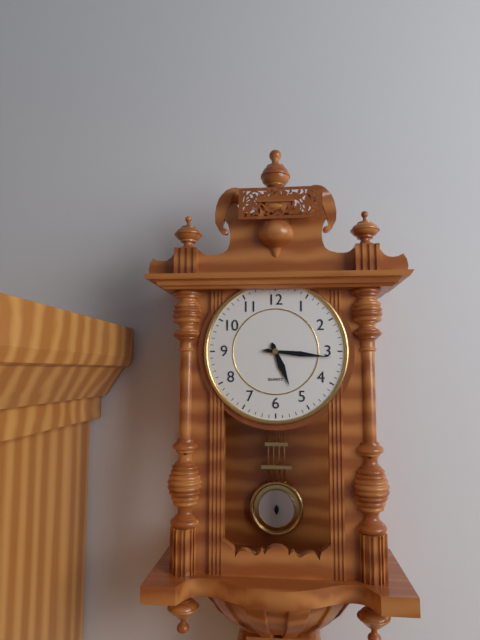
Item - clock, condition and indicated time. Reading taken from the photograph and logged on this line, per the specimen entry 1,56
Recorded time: 5,16
